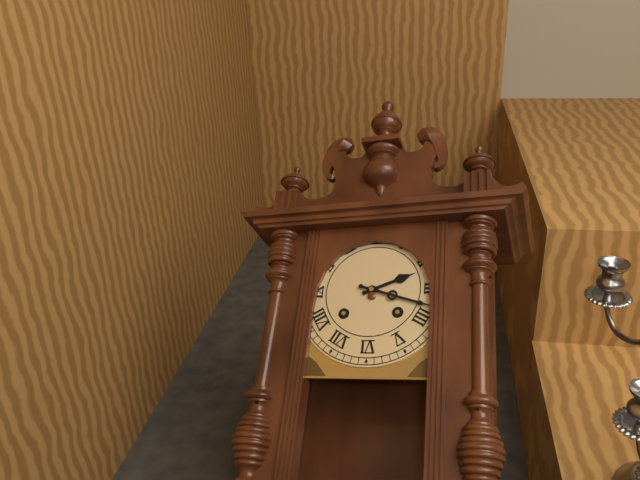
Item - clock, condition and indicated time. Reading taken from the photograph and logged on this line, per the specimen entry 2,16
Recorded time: 2,18
